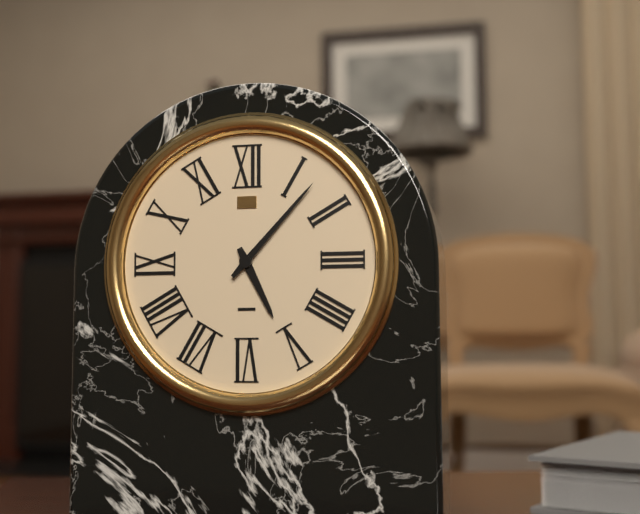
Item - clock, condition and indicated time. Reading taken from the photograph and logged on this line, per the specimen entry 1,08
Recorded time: 5,07
